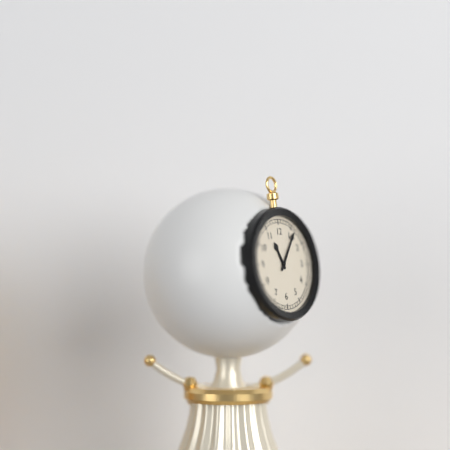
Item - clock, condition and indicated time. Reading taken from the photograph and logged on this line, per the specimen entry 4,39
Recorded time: 11,06
